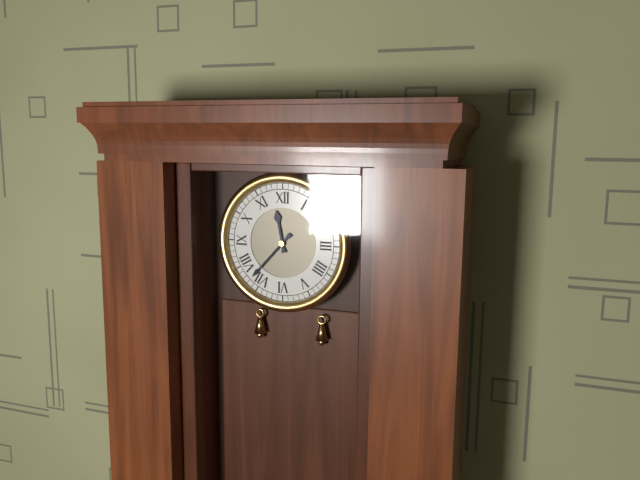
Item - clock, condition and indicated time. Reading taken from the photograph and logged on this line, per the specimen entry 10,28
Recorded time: 11,37
